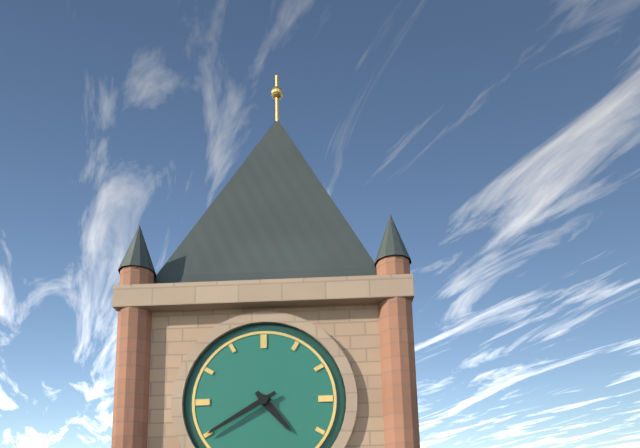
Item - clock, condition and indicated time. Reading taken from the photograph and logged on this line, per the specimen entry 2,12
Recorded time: 4,40
